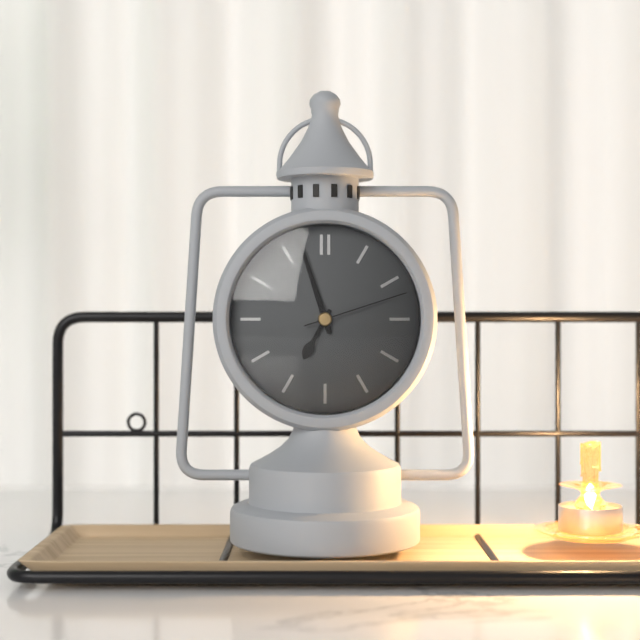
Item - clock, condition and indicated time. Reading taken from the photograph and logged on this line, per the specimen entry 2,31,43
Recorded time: 6,57,12
